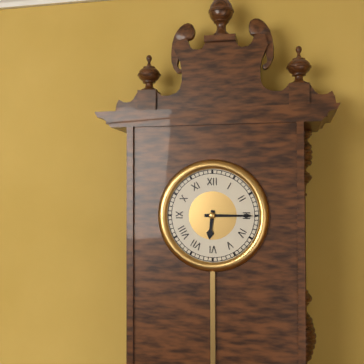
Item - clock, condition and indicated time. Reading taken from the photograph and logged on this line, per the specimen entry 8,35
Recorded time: 6,15
